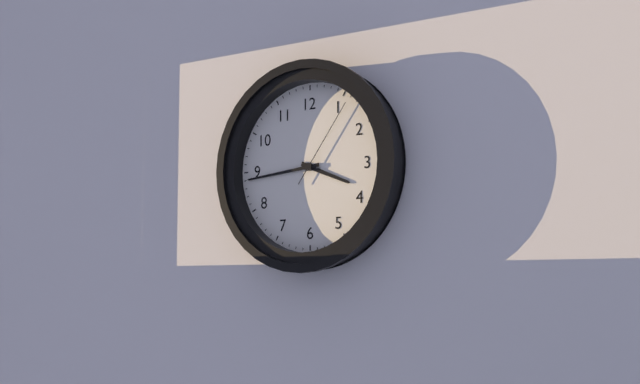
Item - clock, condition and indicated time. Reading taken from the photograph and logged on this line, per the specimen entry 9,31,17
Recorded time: 3,44,06
